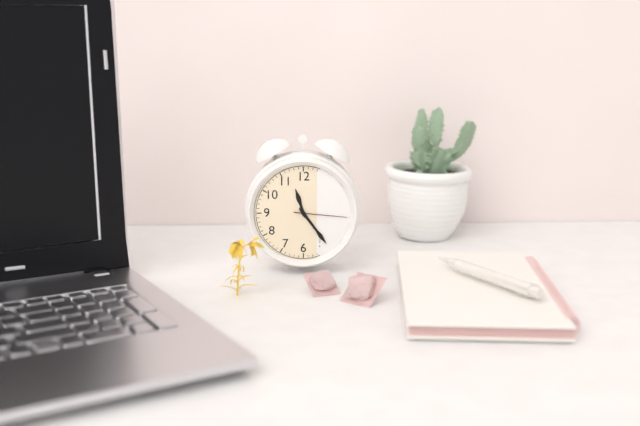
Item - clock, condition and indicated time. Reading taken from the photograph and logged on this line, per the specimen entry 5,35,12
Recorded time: 11,24,16
